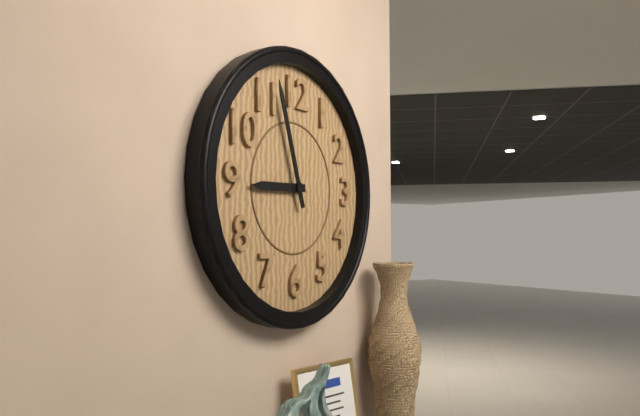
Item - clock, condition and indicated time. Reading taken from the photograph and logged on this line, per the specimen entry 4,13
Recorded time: 8,57
